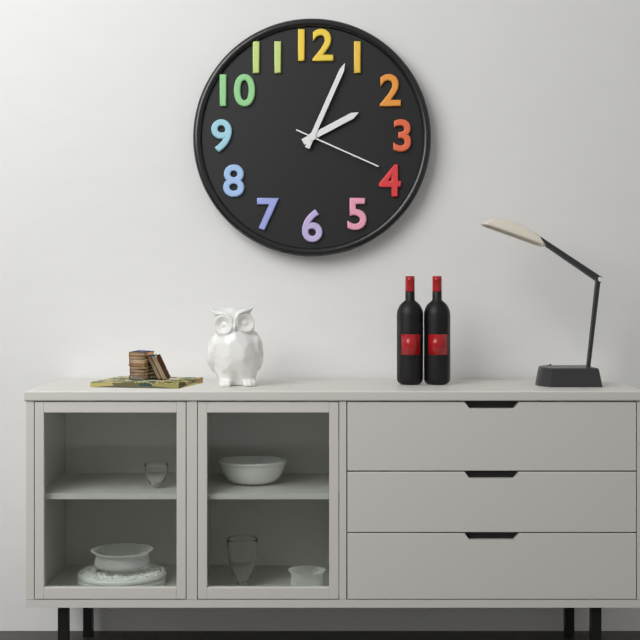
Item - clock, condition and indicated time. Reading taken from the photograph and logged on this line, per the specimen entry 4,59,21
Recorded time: 2,04,19
